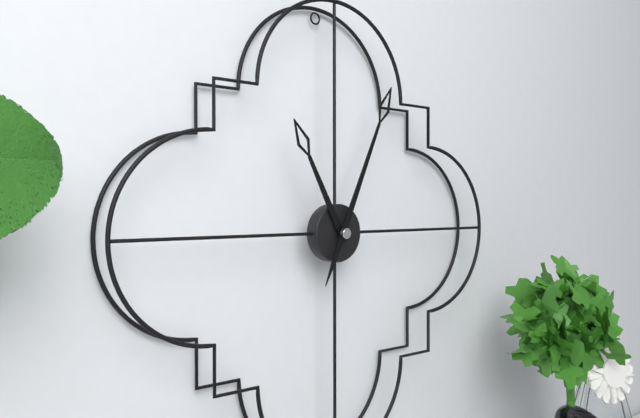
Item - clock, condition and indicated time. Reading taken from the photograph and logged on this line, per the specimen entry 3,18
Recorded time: 11,04
